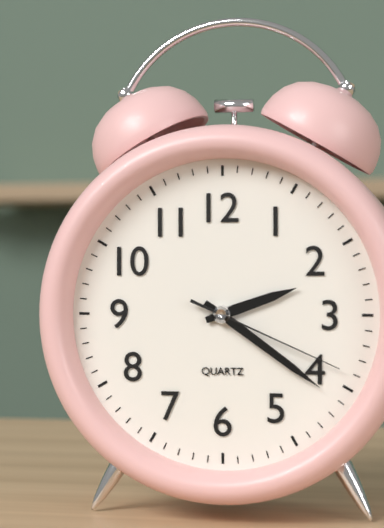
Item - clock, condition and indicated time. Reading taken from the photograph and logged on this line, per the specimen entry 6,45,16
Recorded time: 2,21,19
